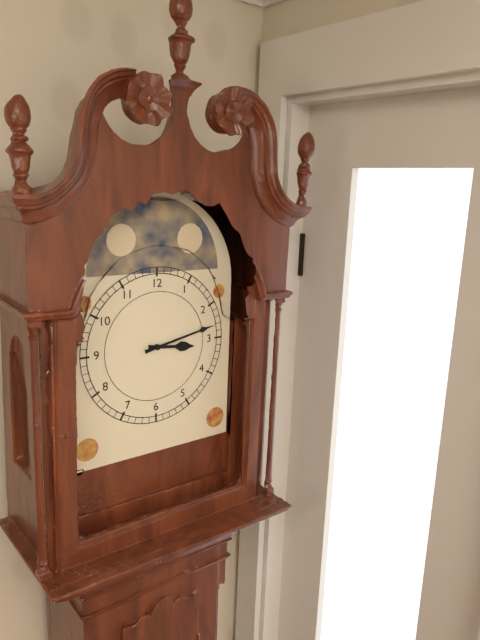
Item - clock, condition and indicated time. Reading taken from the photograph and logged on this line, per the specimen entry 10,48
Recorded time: 3,13
